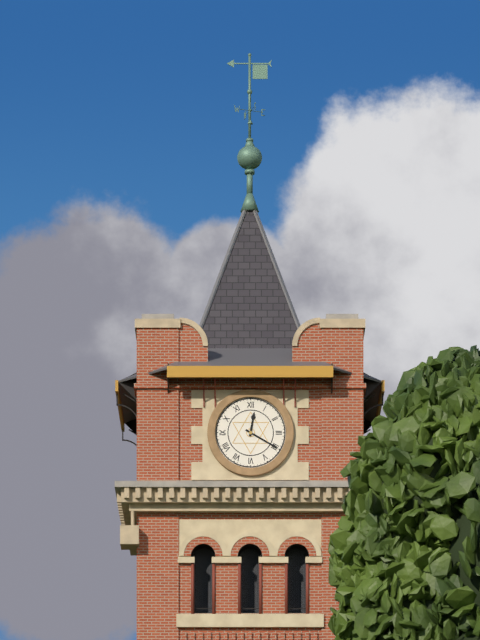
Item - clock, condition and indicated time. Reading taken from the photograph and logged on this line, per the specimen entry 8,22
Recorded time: 12,20
